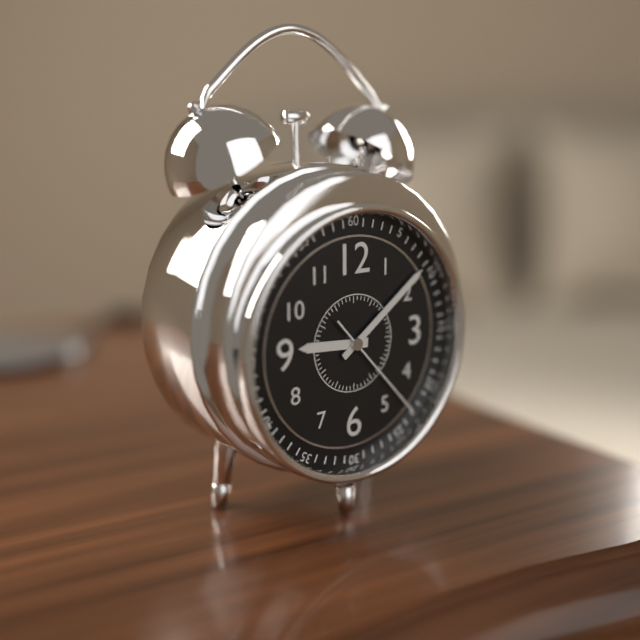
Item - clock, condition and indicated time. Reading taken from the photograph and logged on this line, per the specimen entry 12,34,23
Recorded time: 9,09,23
